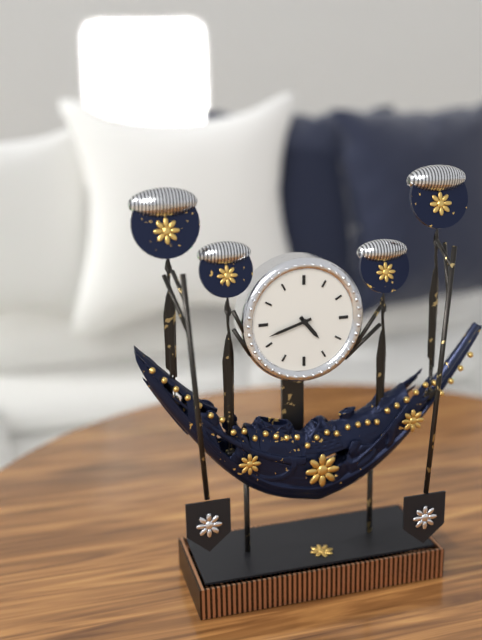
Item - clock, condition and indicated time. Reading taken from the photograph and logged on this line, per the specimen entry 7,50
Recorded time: 4,42
